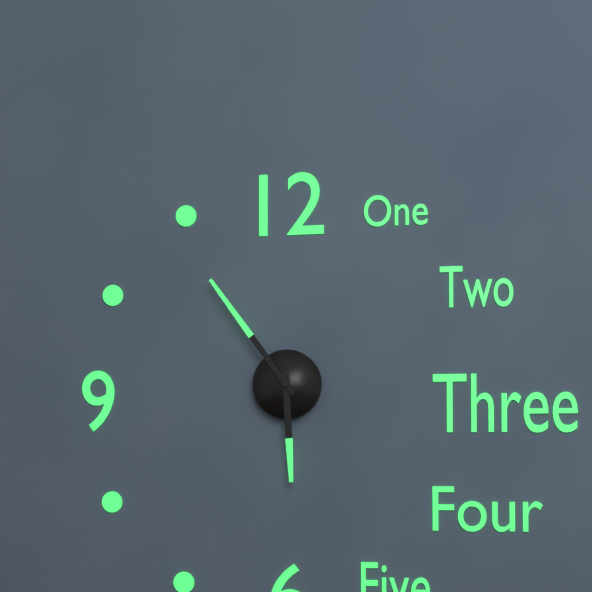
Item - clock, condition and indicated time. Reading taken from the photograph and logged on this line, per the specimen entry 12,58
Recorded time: 5,54
